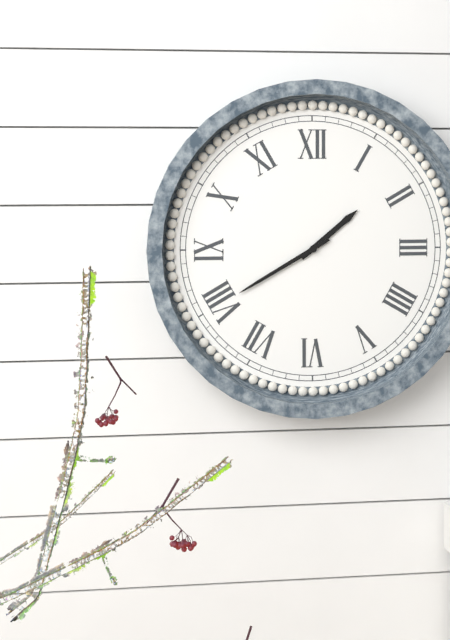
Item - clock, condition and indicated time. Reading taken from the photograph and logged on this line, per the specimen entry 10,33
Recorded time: 1,40
